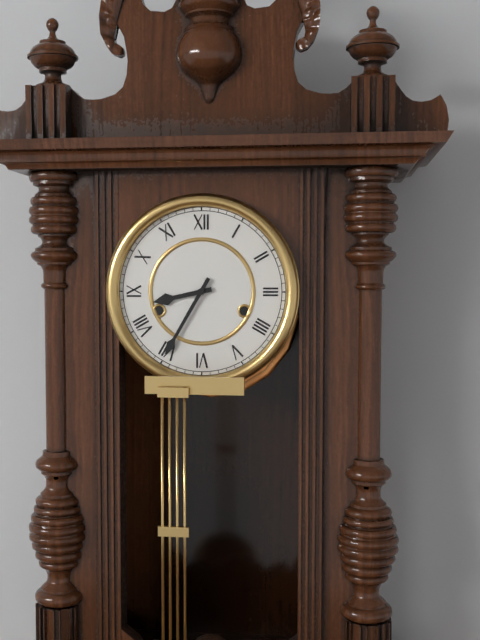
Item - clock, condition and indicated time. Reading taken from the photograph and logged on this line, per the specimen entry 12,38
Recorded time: 8,35
